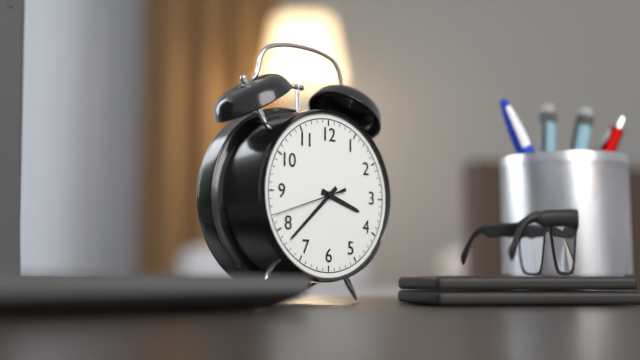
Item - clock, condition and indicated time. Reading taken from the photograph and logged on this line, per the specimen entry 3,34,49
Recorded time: 3,38,42
